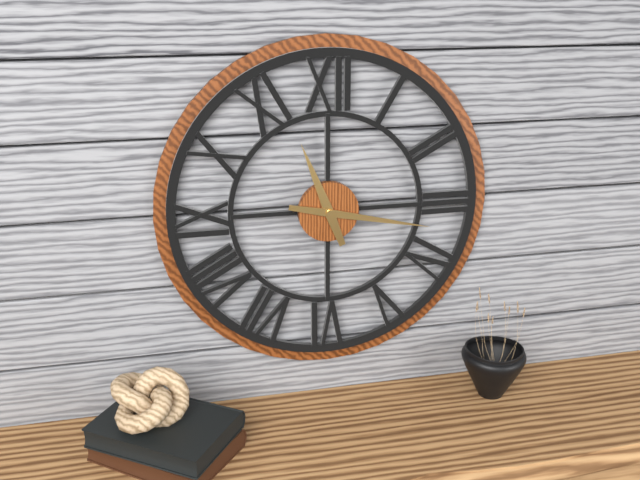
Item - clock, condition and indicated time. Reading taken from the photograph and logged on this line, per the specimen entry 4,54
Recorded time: 11,17
